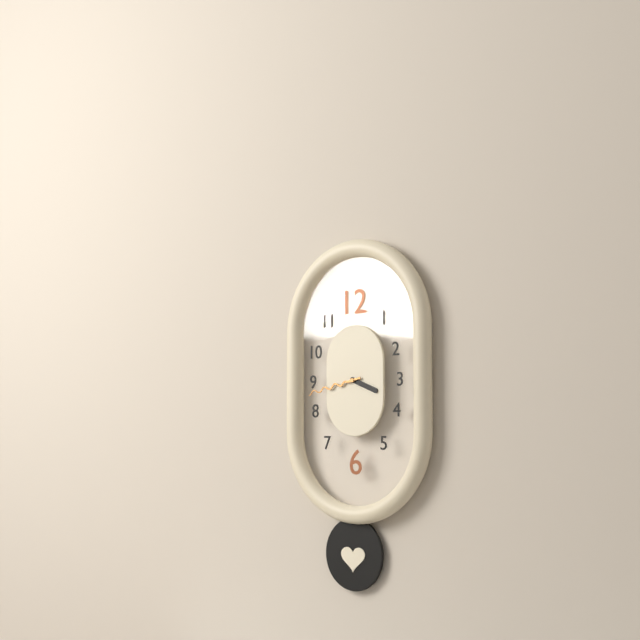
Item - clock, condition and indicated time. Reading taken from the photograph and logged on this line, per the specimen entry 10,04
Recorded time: 3,43
